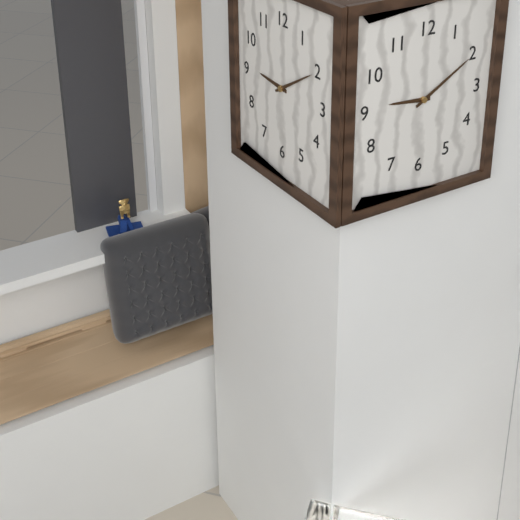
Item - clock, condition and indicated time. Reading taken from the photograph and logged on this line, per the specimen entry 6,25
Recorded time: 9,10
